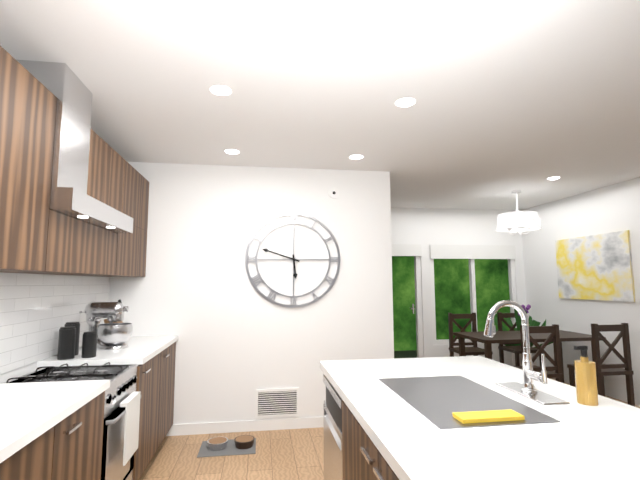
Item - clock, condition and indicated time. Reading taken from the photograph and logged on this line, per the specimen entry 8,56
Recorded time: 5,48
